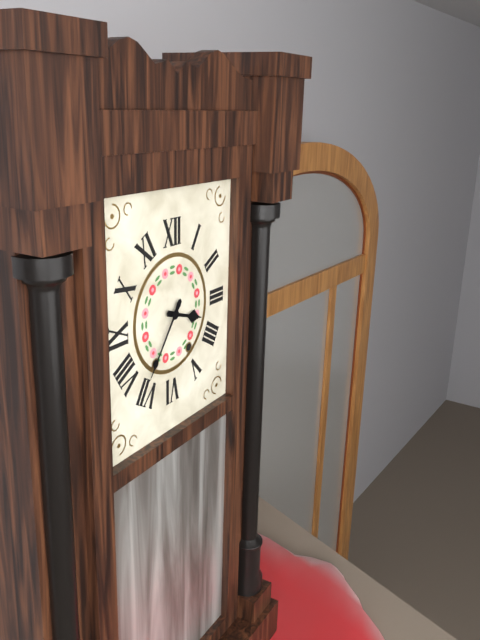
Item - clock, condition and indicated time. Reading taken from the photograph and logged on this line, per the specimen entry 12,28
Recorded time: 3,36
